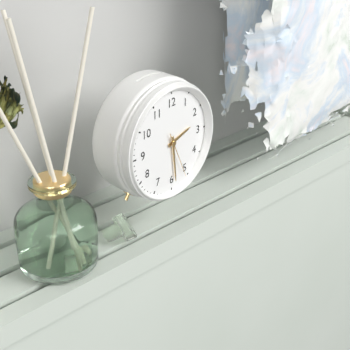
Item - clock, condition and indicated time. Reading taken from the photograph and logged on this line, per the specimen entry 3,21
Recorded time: 2,29
